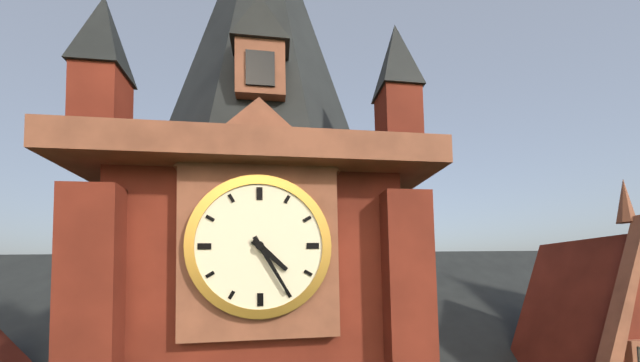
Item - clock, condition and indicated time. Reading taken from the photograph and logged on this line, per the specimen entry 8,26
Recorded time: 4,25
